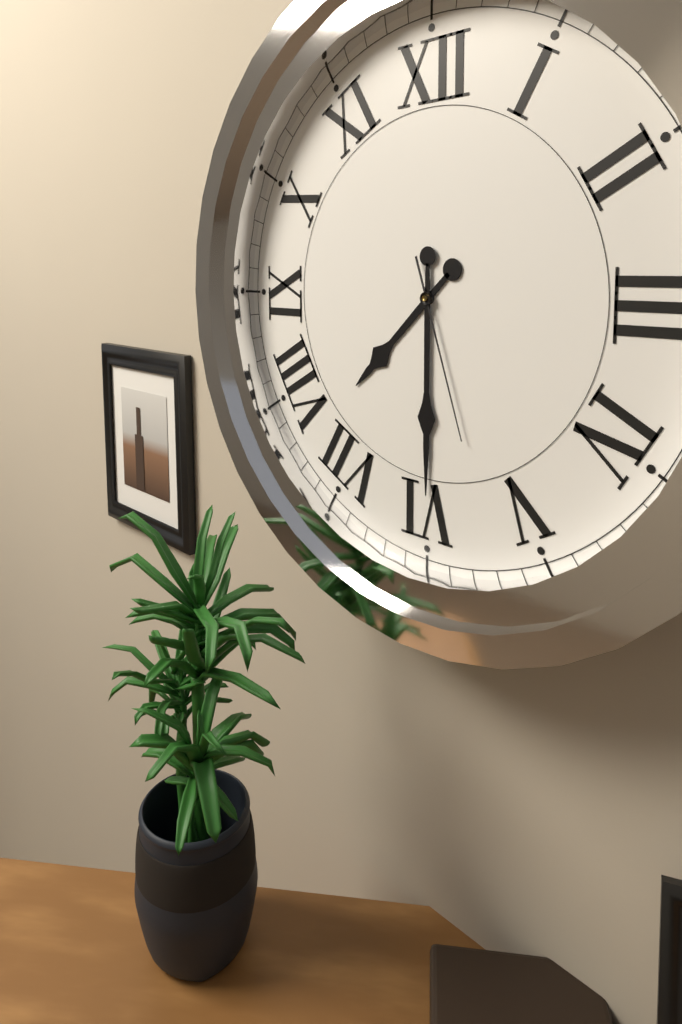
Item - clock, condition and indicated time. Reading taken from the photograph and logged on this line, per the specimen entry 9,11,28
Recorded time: 7,30,27
